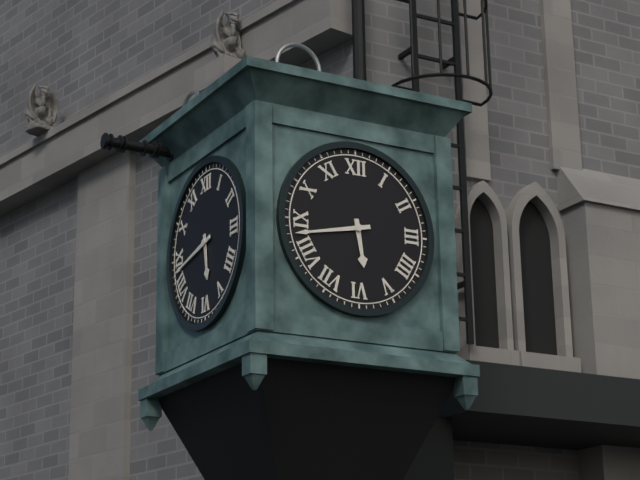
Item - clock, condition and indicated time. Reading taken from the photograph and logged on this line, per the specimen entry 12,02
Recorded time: 5,43
